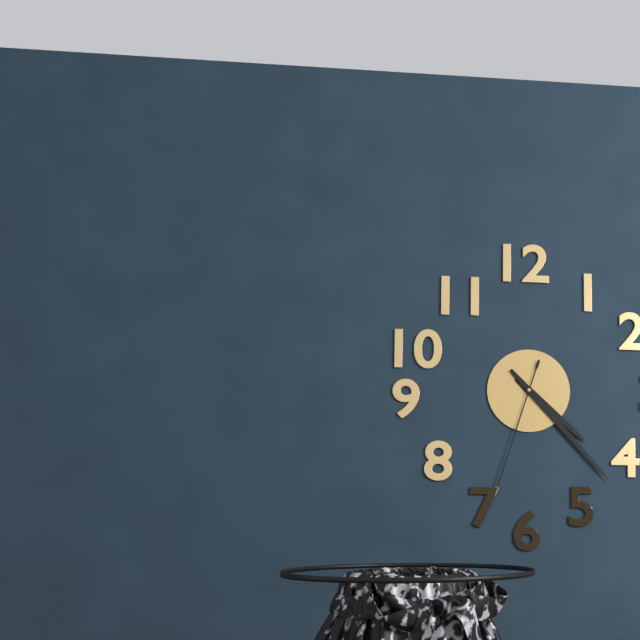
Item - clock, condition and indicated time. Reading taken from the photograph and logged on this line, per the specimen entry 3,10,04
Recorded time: 4,23,33
